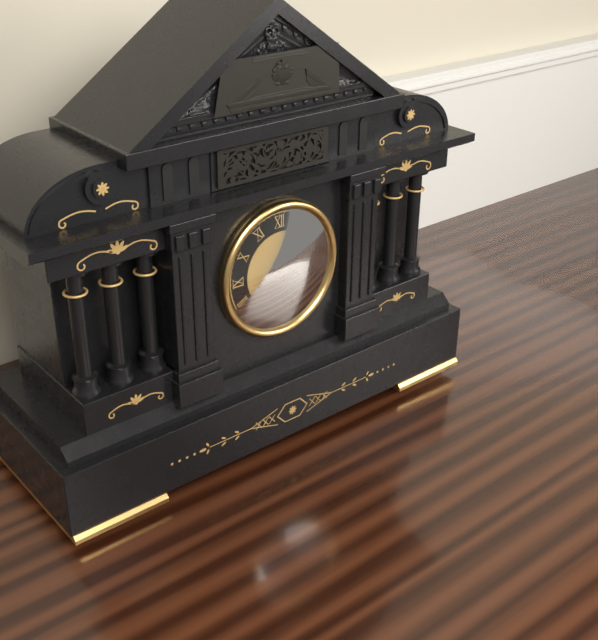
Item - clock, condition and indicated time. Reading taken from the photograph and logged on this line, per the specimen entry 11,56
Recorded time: 7,13
